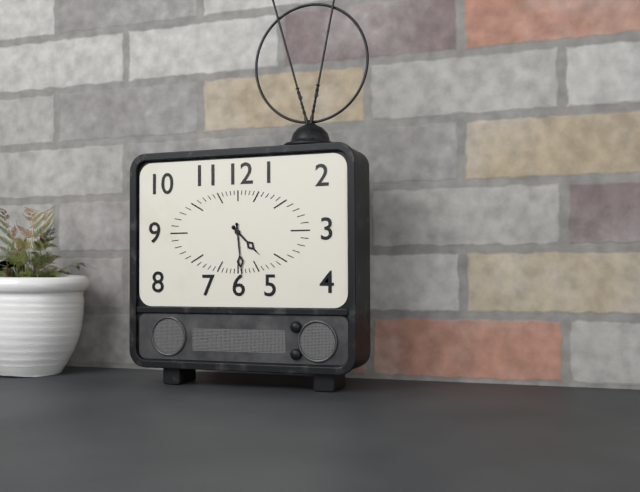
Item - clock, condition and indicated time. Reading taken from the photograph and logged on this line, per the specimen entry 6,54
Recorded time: 4,29
